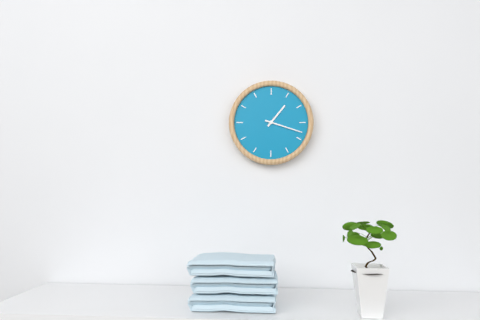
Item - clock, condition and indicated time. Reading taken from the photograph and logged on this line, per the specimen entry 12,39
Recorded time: 1,18
